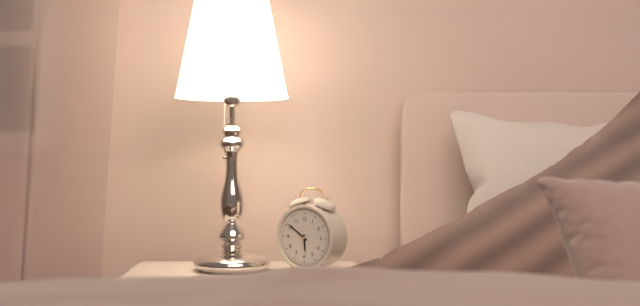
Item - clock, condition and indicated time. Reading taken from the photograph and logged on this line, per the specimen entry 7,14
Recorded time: 5,51
